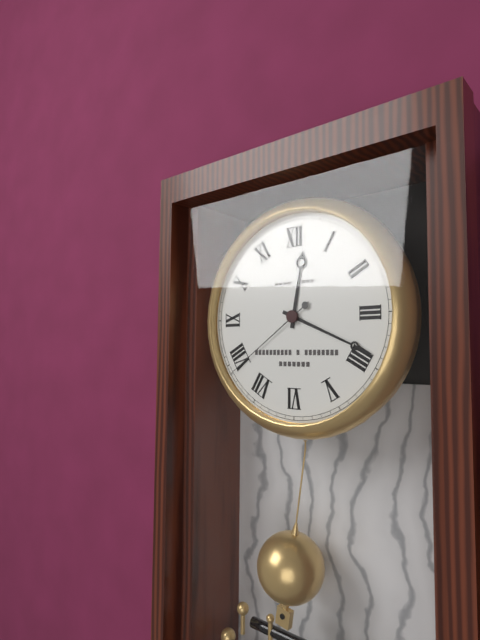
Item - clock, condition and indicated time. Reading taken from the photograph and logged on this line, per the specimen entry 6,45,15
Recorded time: 12,19,39
